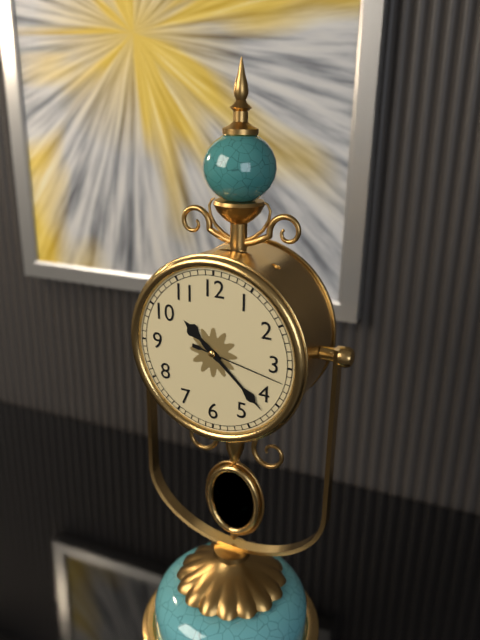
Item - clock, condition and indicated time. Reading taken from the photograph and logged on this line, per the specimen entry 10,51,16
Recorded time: 10,22,17
